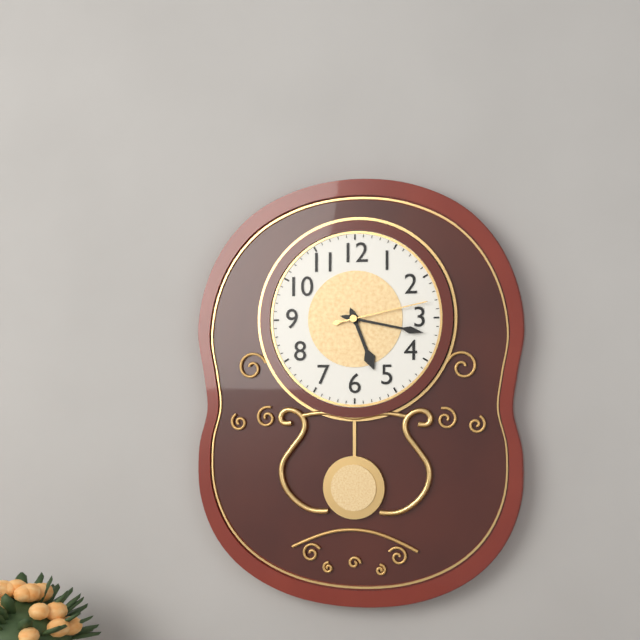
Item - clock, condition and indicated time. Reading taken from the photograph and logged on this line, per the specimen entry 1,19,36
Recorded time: 5,17,13
